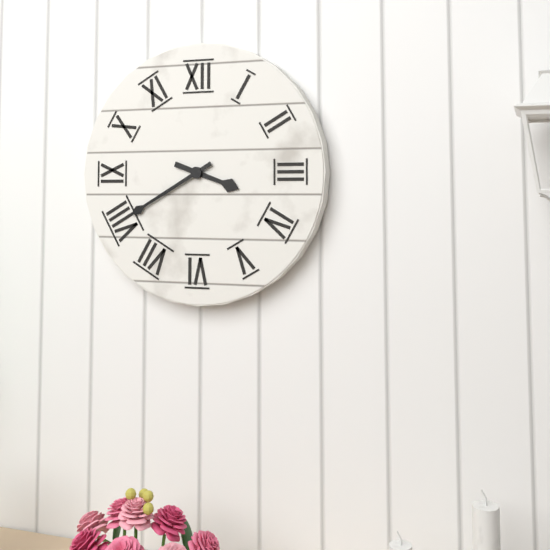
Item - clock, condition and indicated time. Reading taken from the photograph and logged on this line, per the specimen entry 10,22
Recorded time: 3,40
